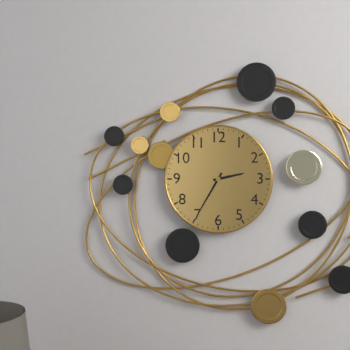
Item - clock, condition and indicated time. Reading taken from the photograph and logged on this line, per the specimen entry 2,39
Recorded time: 2,35
